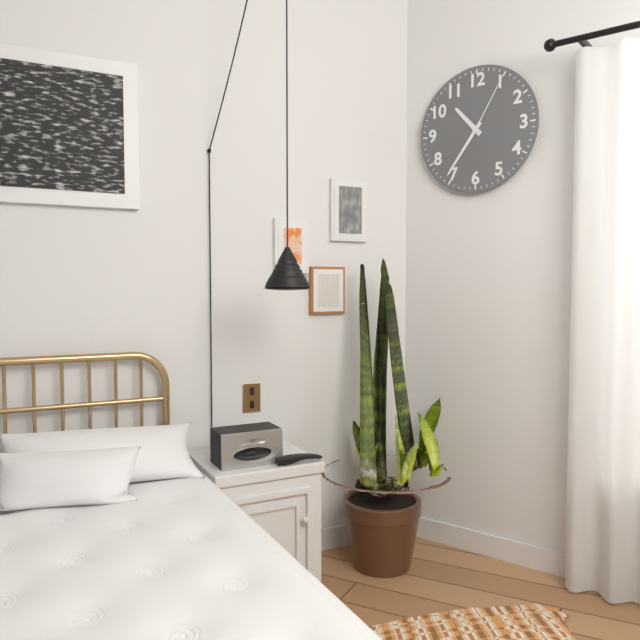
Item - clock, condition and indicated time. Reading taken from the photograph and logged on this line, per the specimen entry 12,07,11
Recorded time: 10,36,05
